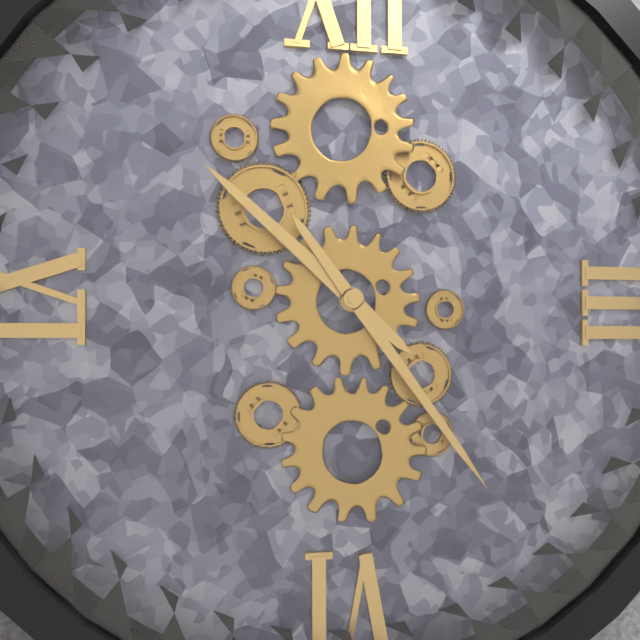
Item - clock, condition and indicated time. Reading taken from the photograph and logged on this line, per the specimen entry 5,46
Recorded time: 10,24
